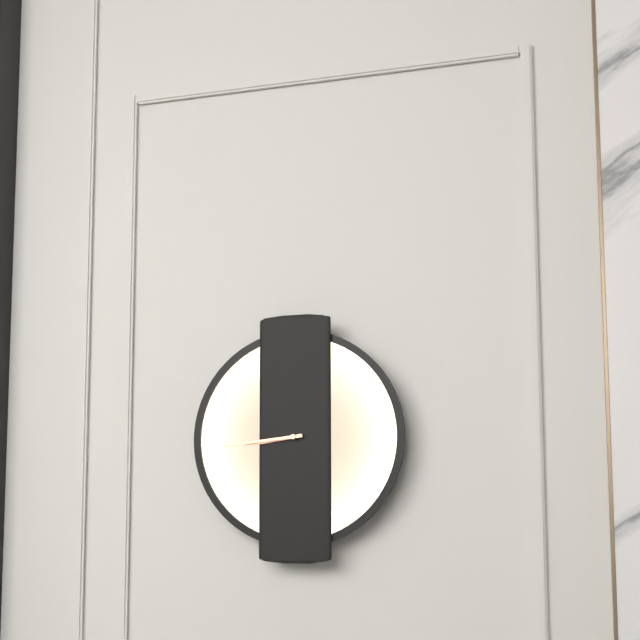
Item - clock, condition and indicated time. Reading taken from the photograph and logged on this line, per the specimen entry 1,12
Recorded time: 8,44
